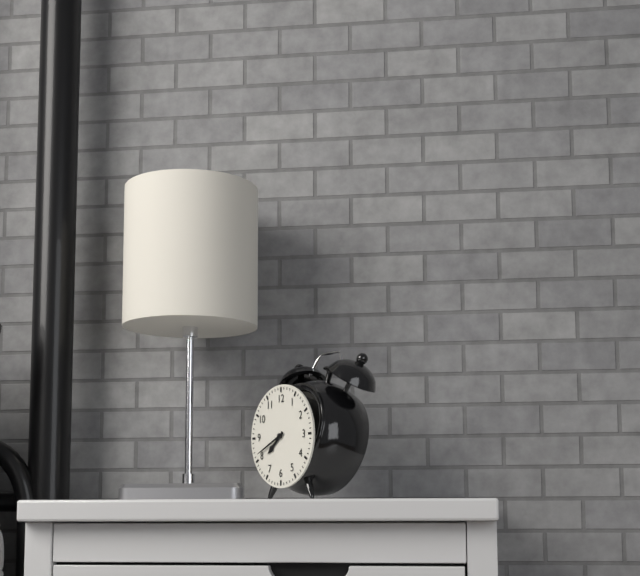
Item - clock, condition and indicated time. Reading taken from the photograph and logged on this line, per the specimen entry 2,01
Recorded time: 7,41
